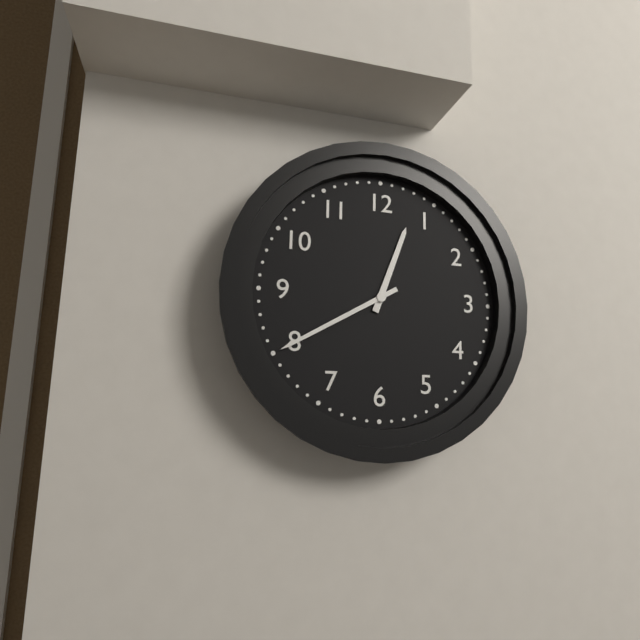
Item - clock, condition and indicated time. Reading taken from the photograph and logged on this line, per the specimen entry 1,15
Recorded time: 12,40
